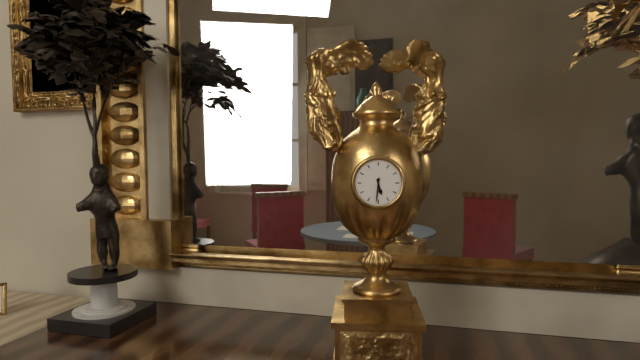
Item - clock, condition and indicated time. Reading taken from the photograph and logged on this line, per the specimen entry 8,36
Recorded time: 5,31
